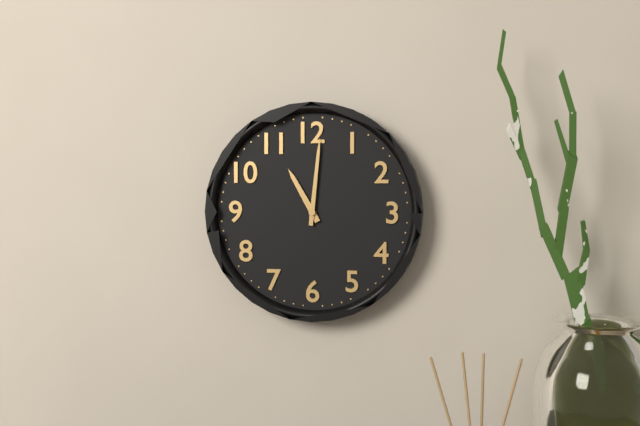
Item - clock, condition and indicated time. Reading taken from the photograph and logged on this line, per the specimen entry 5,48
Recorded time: 11,01
